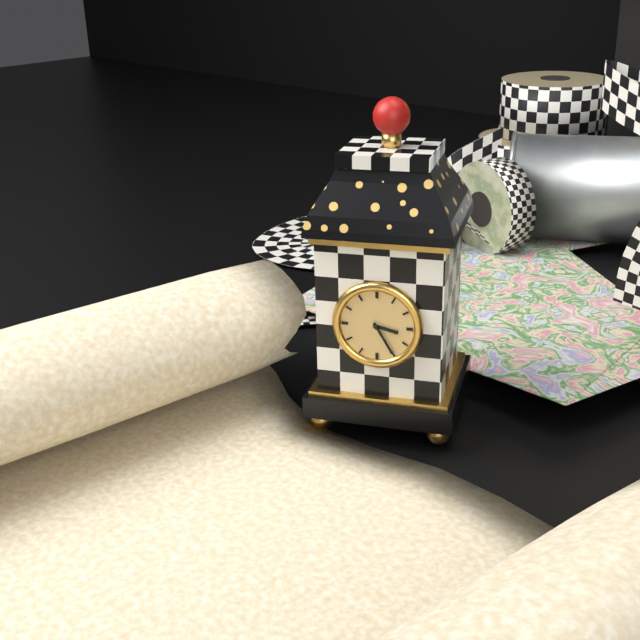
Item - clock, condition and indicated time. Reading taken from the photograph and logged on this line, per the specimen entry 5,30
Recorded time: 3,25
